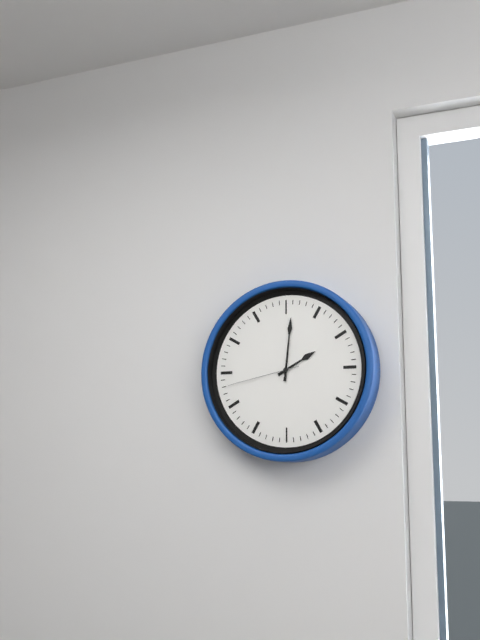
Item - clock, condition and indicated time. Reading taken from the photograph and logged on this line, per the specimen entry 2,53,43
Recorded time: 2,01,43
